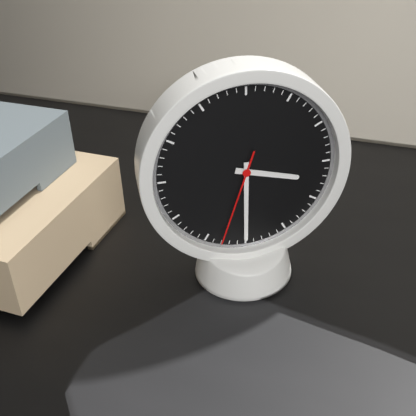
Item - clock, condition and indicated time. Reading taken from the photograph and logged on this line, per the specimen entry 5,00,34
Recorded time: 3,30,33
